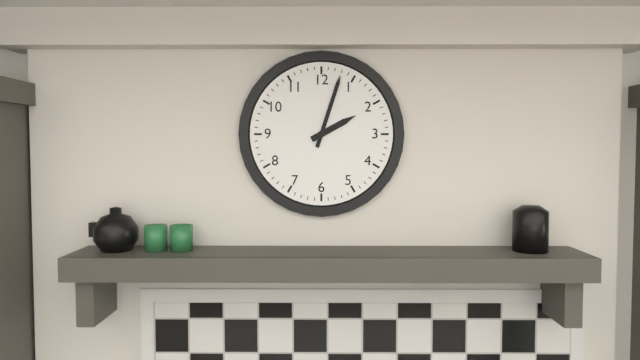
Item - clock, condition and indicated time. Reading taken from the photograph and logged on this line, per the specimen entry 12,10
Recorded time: 2,03
